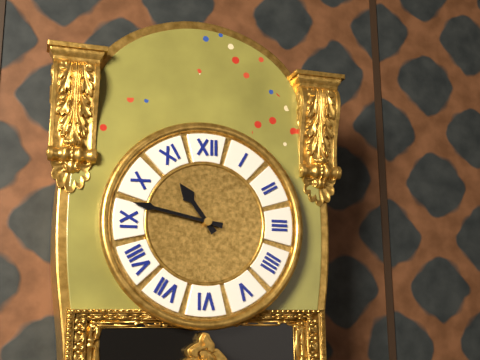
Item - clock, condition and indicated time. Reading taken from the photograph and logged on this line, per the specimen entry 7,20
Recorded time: 10,47
